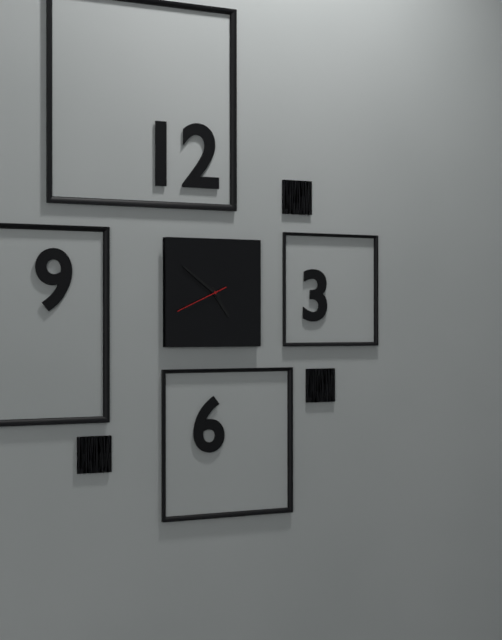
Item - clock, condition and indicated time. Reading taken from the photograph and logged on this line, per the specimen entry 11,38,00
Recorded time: 4,51,41
